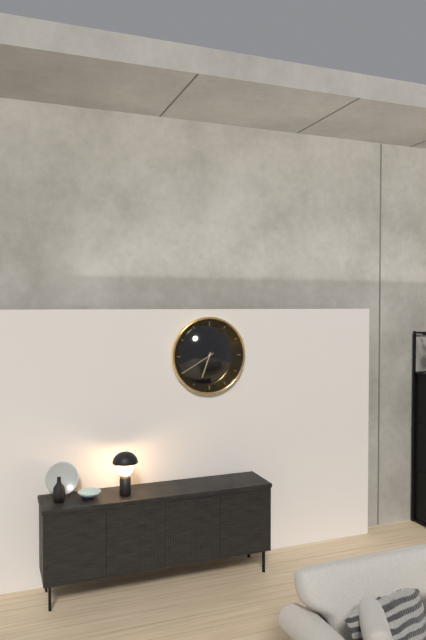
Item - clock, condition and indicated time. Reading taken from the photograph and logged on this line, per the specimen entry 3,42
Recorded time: 6,40
